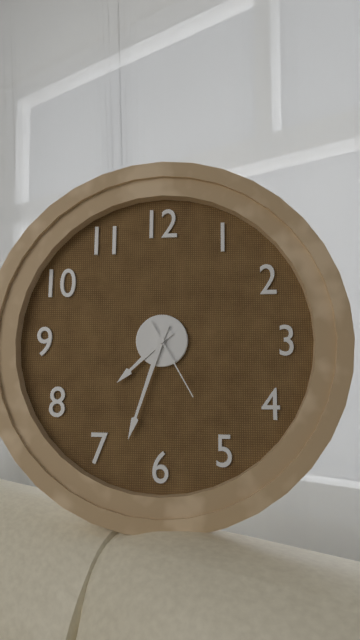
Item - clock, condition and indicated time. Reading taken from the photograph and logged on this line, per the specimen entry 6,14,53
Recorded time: 7,33,25
